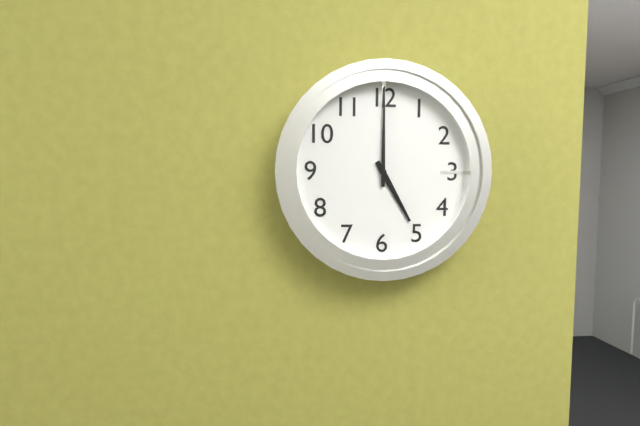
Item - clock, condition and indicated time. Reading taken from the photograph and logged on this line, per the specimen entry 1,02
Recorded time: 5,00
